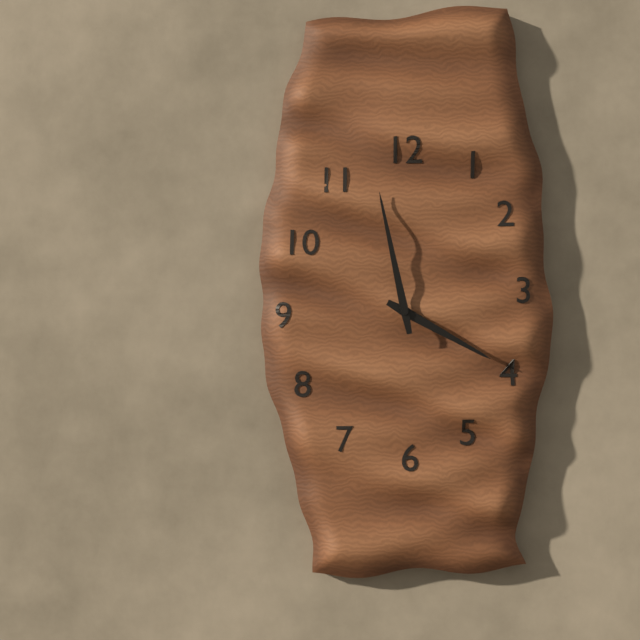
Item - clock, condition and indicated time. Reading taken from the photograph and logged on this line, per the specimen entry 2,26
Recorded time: 3,58
